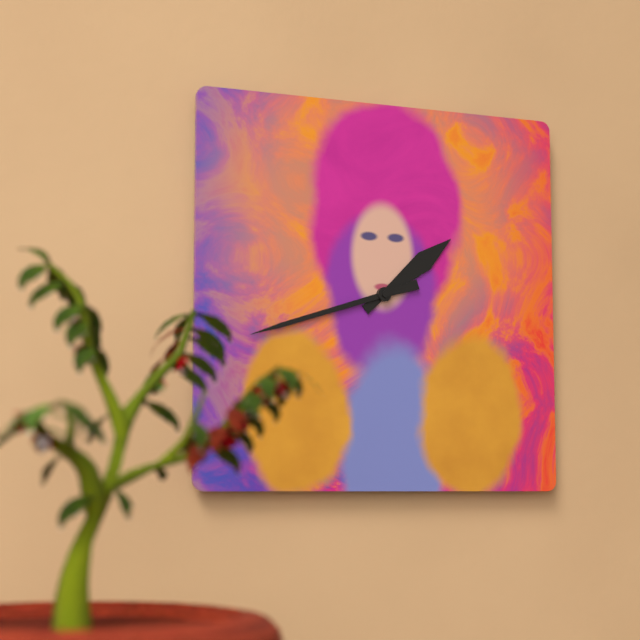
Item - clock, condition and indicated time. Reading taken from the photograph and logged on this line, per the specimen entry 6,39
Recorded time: 1,42
